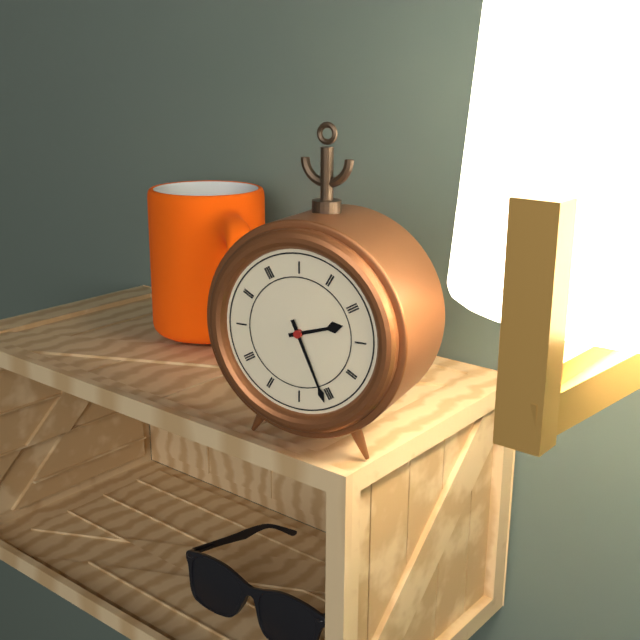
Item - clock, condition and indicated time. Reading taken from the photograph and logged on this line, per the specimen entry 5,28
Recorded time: 2,26
